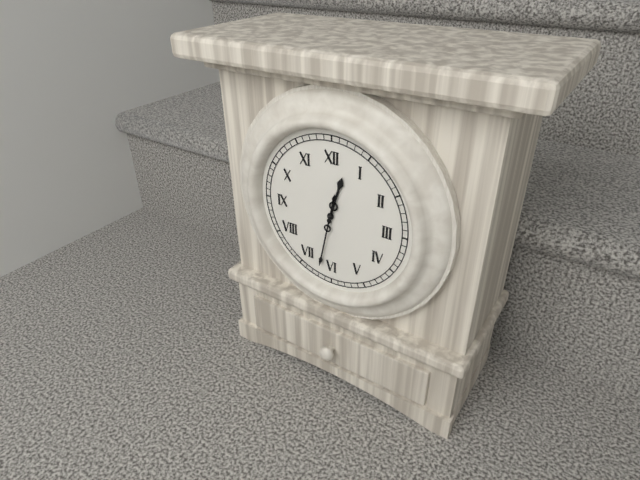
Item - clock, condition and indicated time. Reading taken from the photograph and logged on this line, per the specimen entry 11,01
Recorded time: 12,32
